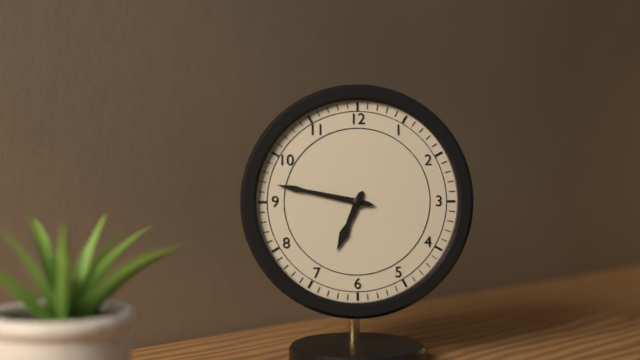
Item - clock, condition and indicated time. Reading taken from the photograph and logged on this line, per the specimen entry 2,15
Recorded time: 6,47
